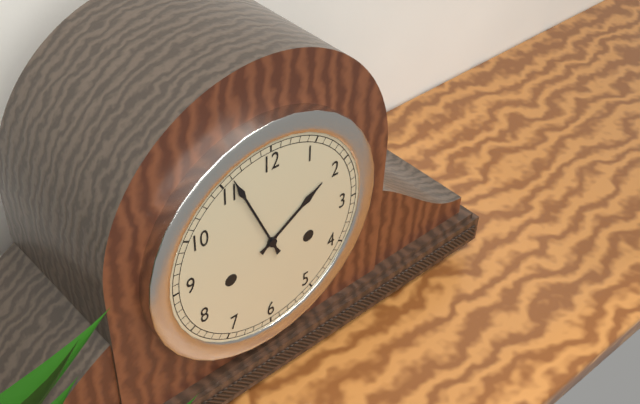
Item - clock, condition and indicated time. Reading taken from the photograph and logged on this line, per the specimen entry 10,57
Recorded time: 1,56
